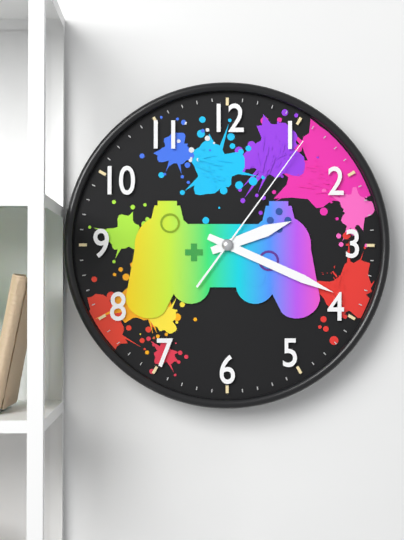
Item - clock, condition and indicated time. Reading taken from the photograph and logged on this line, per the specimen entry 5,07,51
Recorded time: 2,19,06
